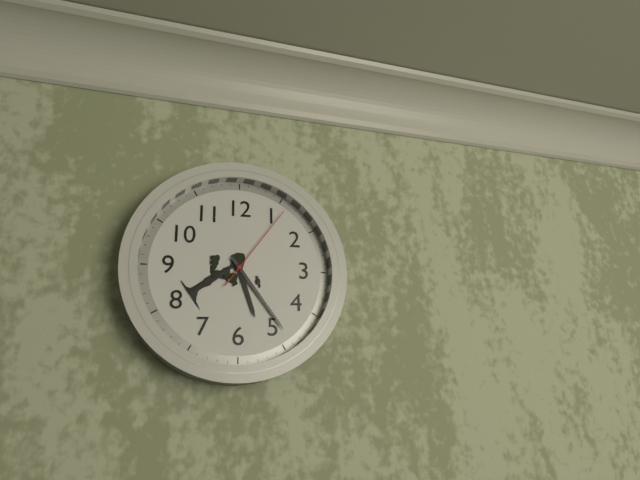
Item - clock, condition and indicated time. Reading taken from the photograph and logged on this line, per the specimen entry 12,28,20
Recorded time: 5,24,06
